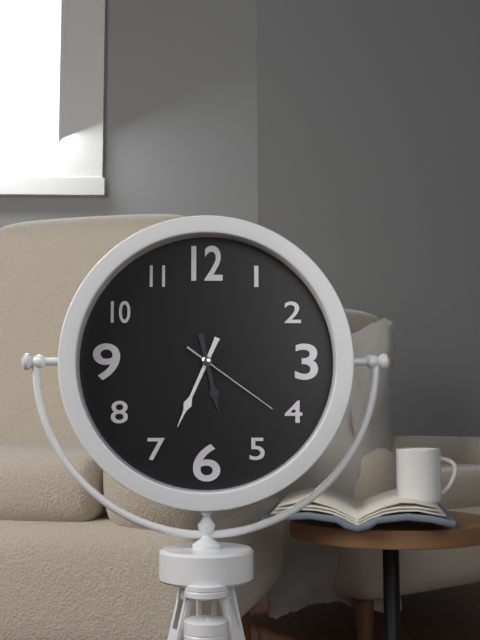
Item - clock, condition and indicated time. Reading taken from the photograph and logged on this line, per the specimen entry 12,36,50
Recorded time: 5,34,21
